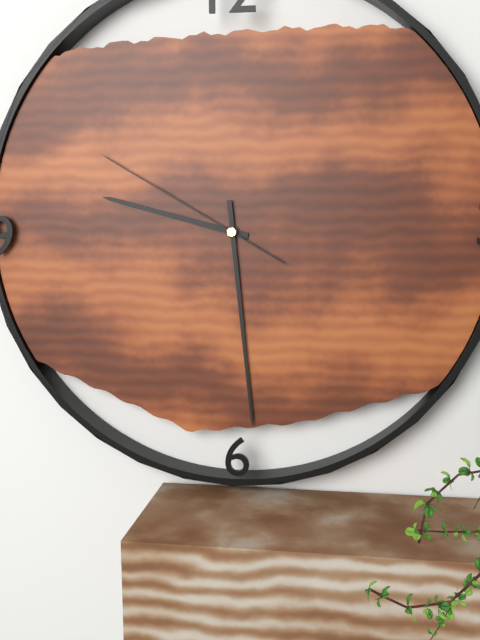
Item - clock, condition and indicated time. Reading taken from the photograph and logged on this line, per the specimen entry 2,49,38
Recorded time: 9,29,50
